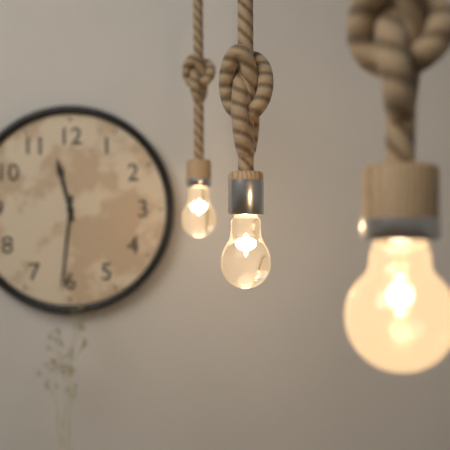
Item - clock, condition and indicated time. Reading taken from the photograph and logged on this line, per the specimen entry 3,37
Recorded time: 11,31
